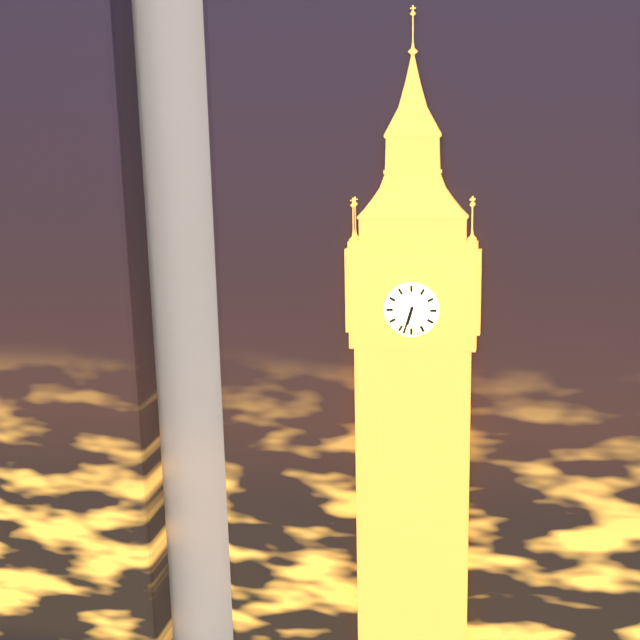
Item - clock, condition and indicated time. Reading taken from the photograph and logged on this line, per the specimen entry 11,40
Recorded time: 6,33
